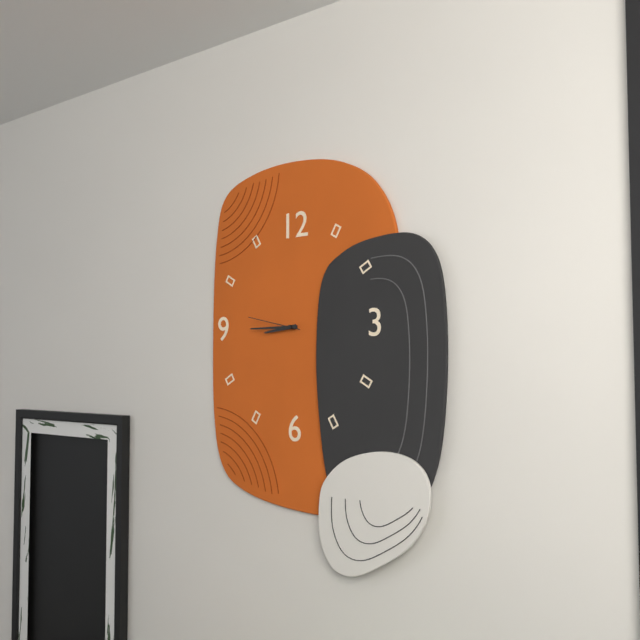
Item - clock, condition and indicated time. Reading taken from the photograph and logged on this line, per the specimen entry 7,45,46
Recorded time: 8,45,47
